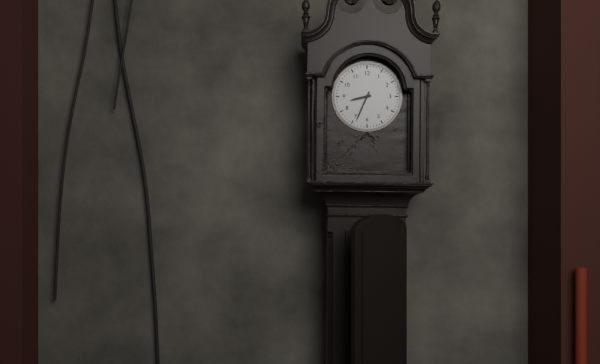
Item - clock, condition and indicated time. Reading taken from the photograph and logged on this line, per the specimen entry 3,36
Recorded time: 8,34
